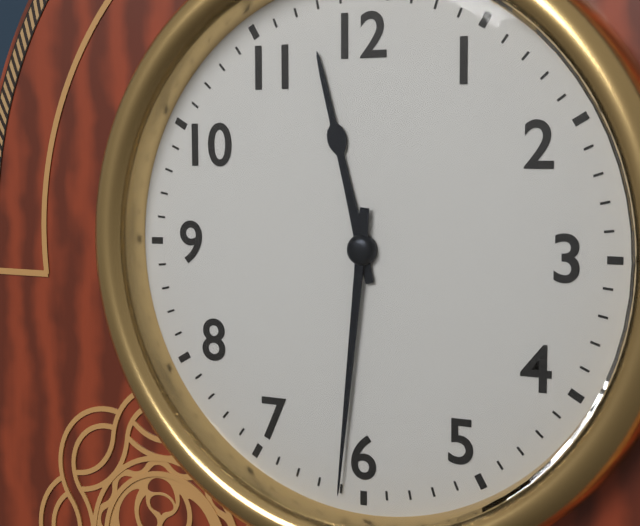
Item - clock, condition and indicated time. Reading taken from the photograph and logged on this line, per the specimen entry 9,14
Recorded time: 11,31
